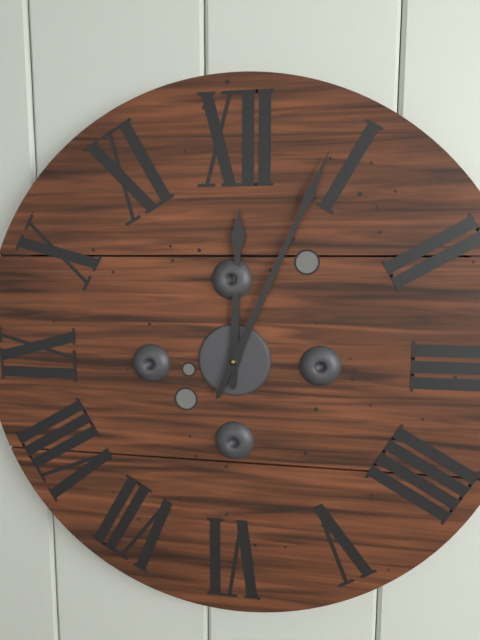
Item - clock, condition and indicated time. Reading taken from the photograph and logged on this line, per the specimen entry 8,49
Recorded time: 12,04
